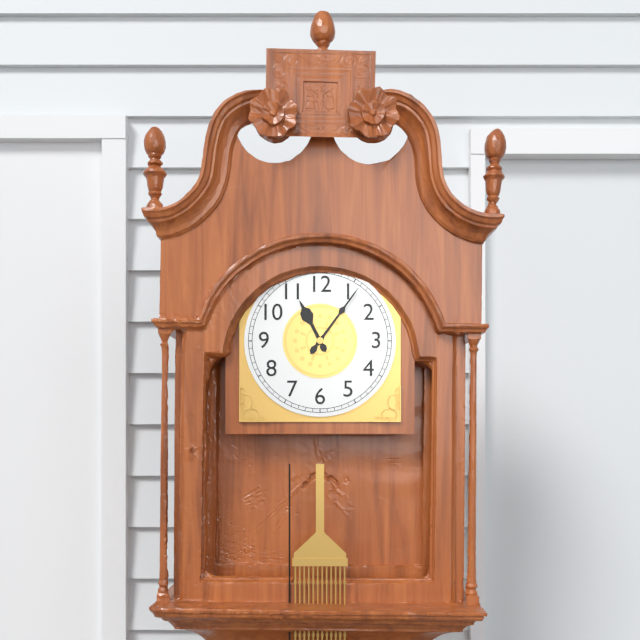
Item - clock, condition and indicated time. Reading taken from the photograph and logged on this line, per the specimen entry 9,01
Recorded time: 11,06
